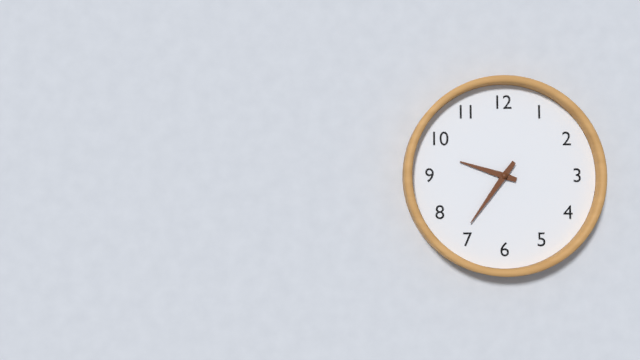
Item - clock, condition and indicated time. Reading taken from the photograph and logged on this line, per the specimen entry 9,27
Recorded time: 9,36
